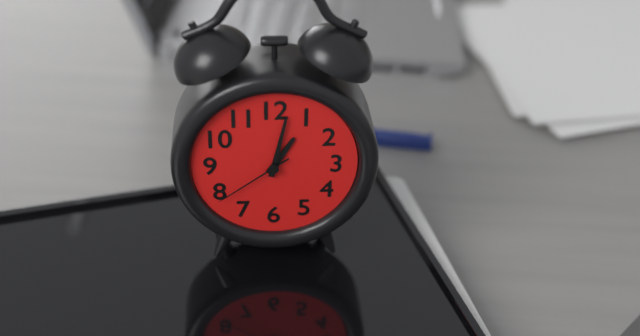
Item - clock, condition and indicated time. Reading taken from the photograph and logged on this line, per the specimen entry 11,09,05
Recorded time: 1,02,39
